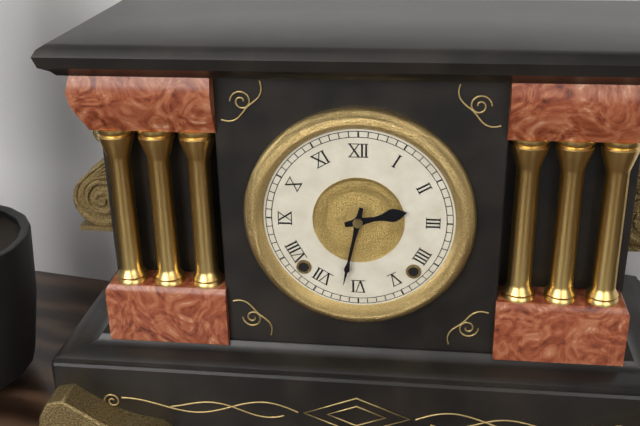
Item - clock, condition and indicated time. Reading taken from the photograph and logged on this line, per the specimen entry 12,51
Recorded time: 2,32
